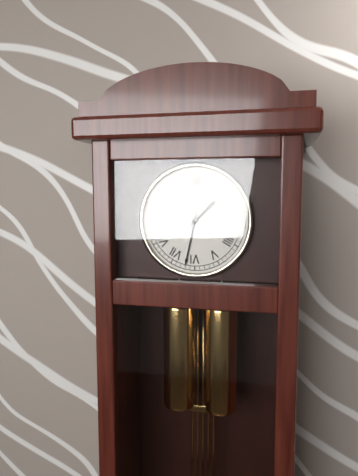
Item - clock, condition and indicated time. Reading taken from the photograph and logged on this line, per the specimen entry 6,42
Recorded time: 1,32
